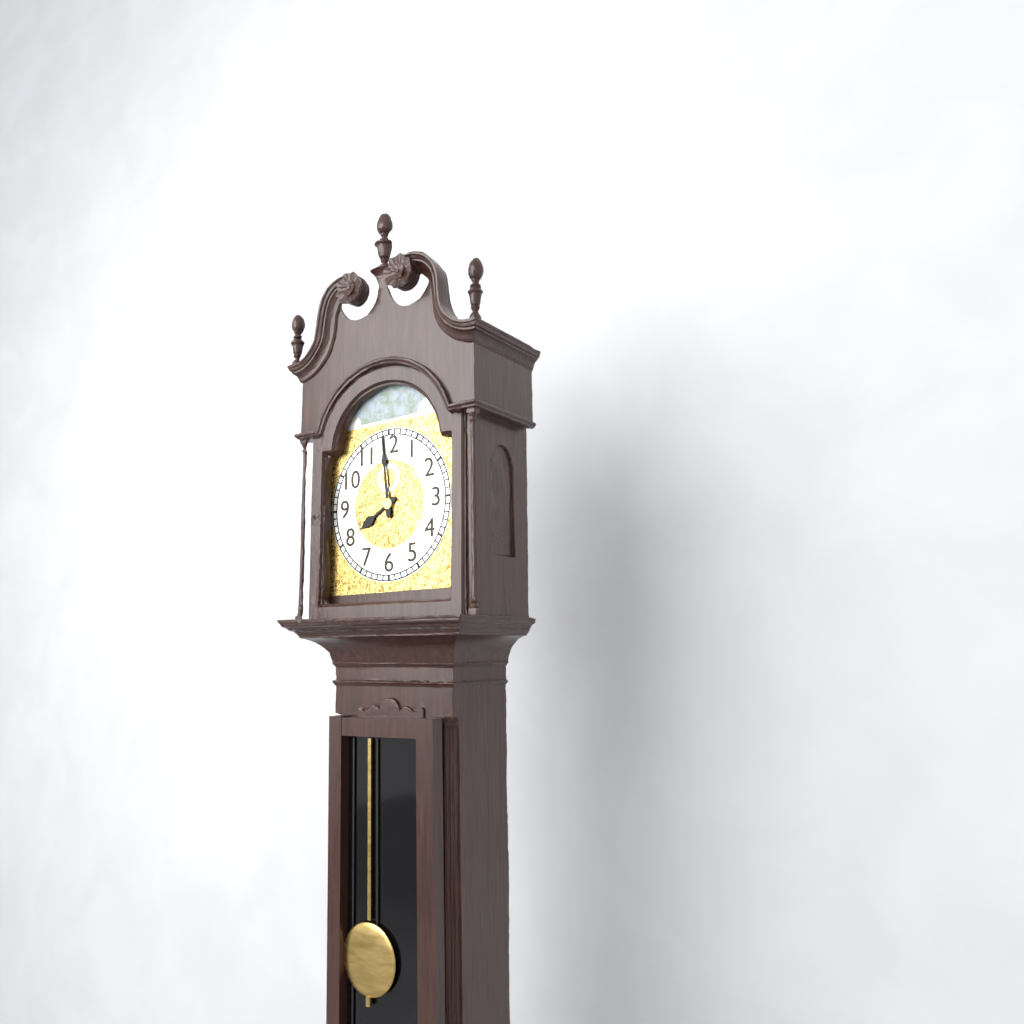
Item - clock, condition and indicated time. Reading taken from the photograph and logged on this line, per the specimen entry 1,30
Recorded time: 7,59
